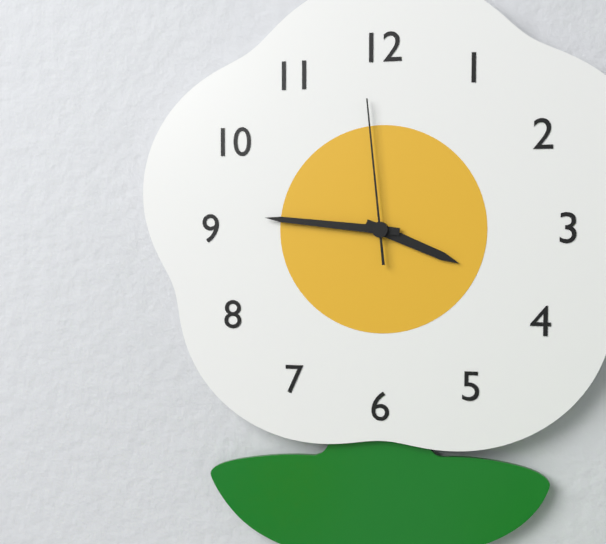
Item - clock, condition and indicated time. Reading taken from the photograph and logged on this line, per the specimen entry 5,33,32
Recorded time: 3,46,59
